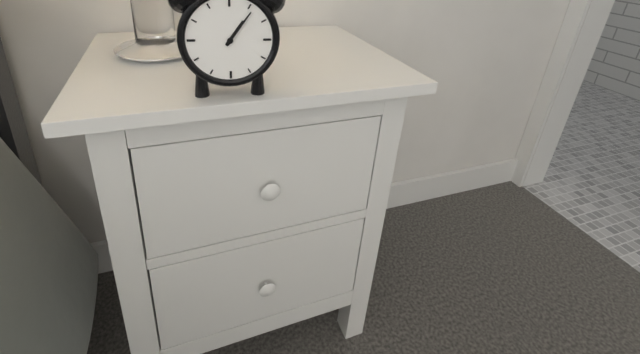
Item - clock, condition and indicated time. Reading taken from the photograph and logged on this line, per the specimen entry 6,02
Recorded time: 1,06
